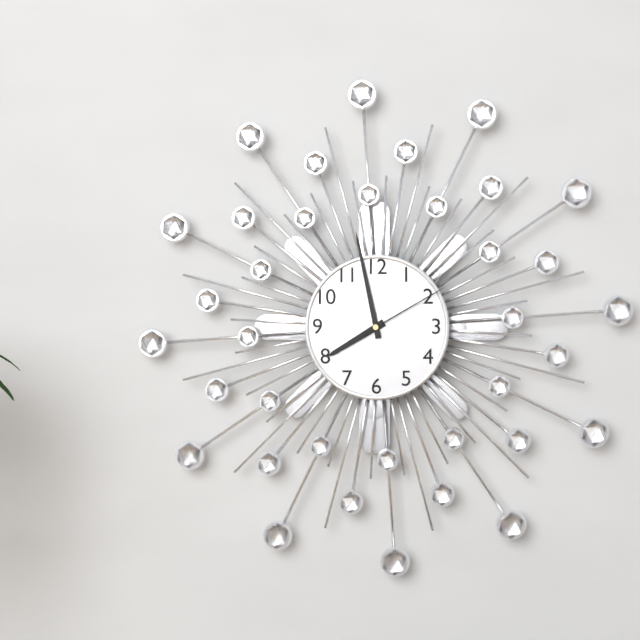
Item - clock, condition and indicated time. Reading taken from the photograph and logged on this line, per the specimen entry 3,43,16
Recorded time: 7,58,10
